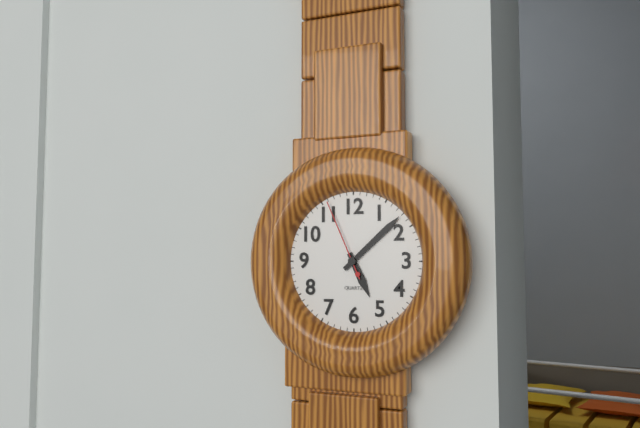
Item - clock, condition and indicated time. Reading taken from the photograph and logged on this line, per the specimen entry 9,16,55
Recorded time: 5,08,56
